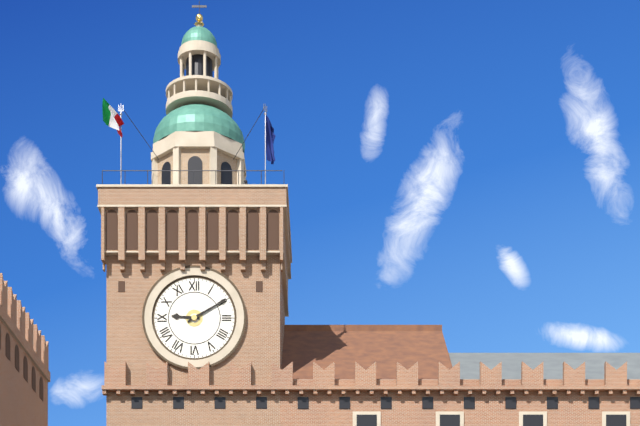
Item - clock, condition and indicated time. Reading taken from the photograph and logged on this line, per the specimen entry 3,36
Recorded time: 9,10
